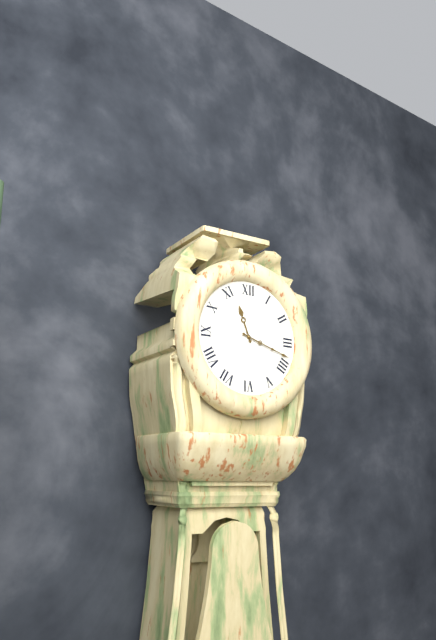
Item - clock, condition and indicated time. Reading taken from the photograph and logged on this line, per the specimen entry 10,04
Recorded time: 11,18
